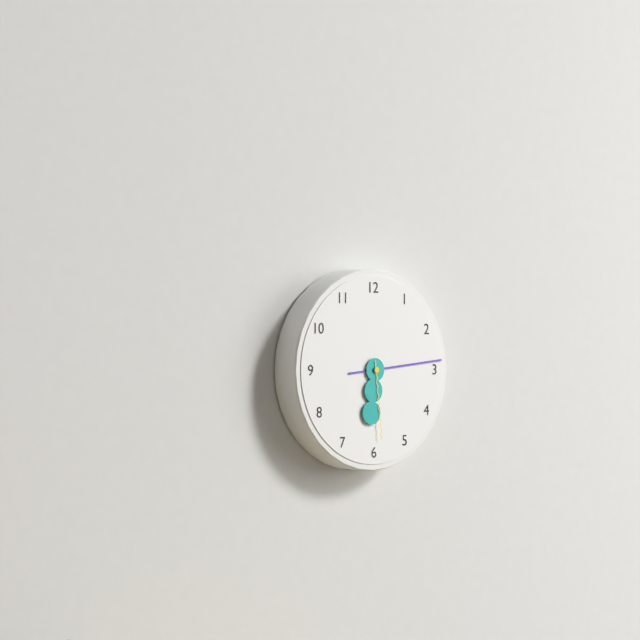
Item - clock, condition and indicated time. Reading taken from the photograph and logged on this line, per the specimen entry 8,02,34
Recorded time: 6,14,29
